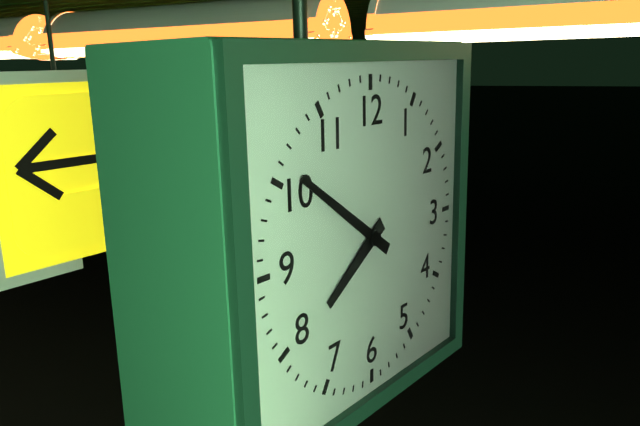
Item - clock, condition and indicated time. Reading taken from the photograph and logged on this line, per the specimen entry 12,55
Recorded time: 7,51
